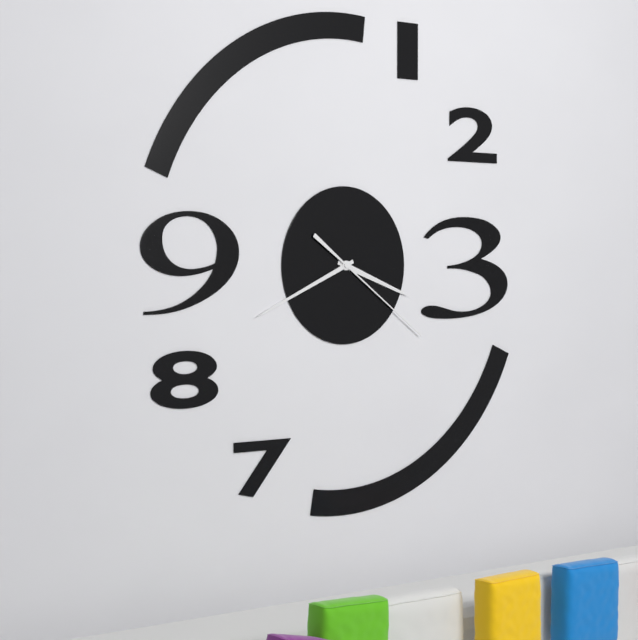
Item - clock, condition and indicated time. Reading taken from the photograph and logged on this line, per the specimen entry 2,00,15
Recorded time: 3,41,21
